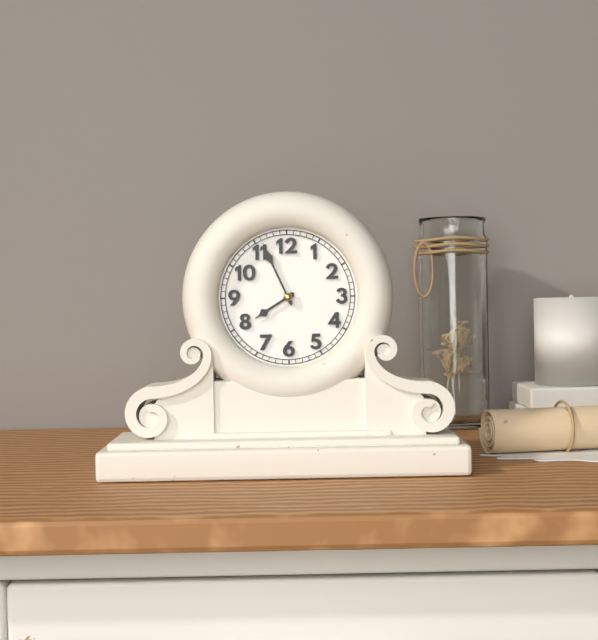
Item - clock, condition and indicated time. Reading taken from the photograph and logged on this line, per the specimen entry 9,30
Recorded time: 7,56
